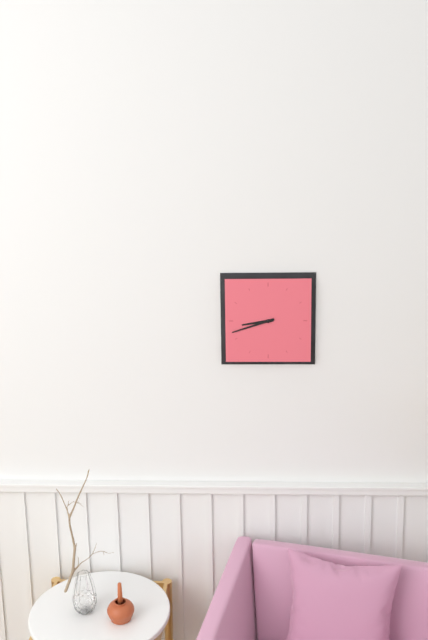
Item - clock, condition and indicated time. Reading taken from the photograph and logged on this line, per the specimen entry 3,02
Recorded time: 8,42
